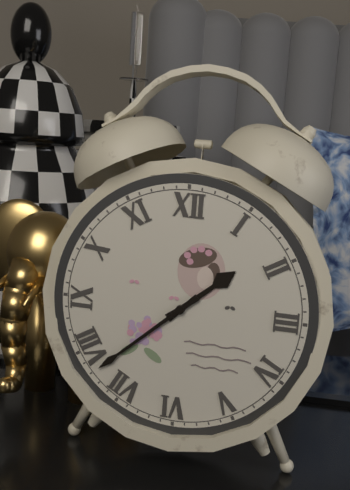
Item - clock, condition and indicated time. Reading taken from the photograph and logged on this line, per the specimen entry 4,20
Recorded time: 1,38
